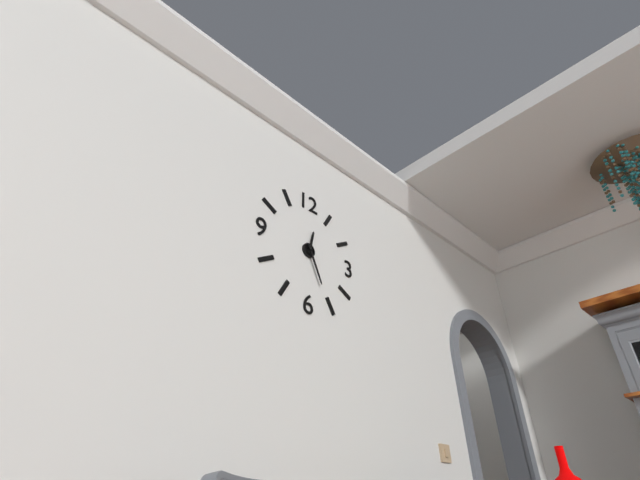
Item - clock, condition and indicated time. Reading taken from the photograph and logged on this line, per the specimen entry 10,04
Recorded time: 12,26
